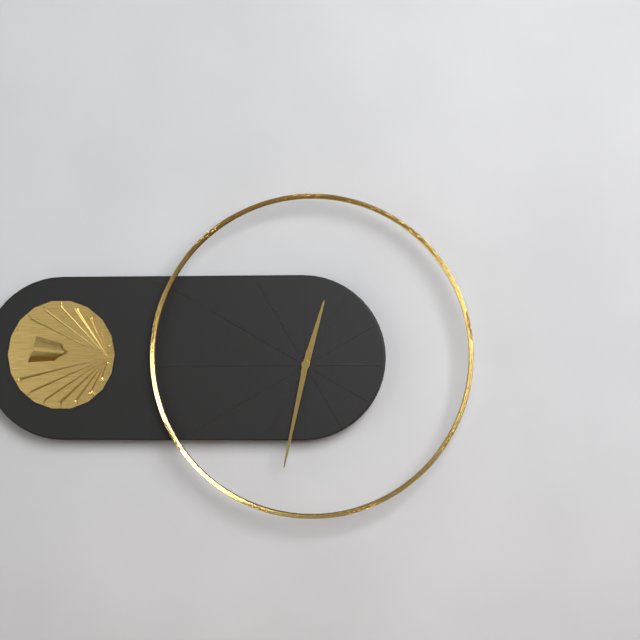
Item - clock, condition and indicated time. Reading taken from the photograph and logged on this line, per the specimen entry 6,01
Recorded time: 12,32
